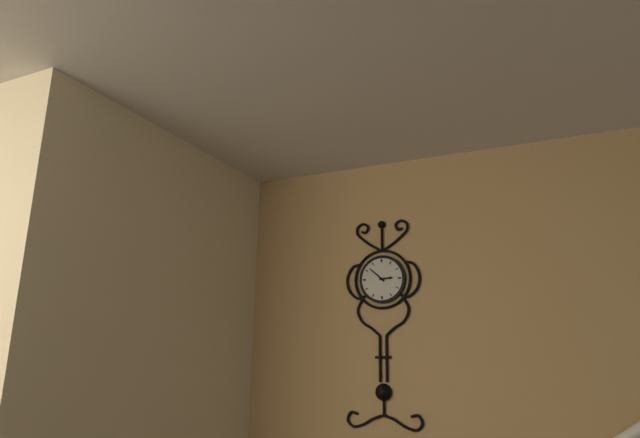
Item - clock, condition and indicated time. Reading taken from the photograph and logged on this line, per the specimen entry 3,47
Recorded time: 2,52
